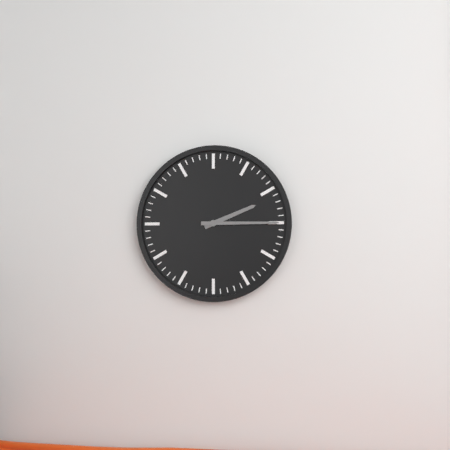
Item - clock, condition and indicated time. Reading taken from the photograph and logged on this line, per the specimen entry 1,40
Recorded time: 2,15
